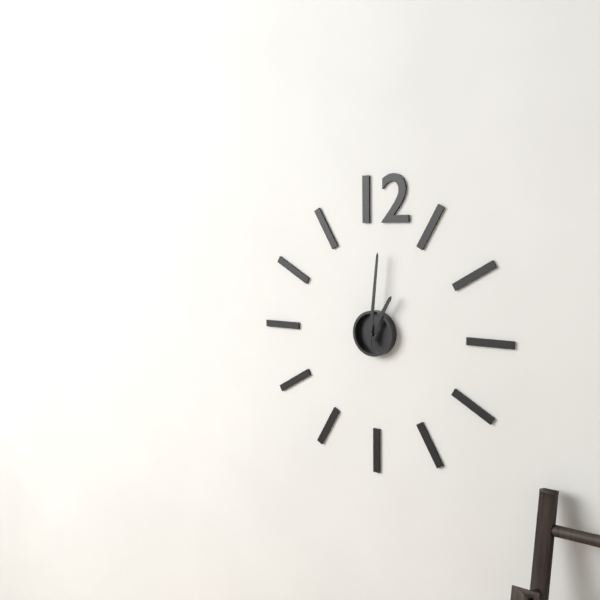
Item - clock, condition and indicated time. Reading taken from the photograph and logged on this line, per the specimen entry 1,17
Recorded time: 1,01
